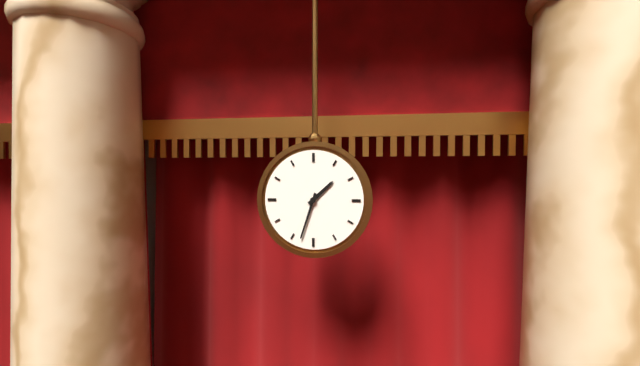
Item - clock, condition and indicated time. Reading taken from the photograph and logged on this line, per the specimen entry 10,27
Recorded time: 1,33
